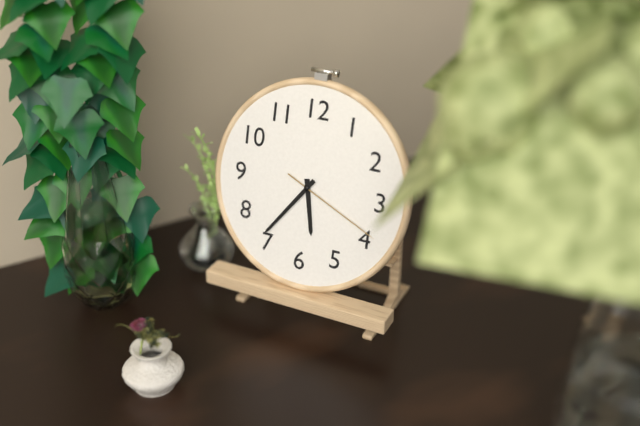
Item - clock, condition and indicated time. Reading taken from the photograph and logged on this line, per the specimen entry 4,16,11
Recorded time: 5,36,19
